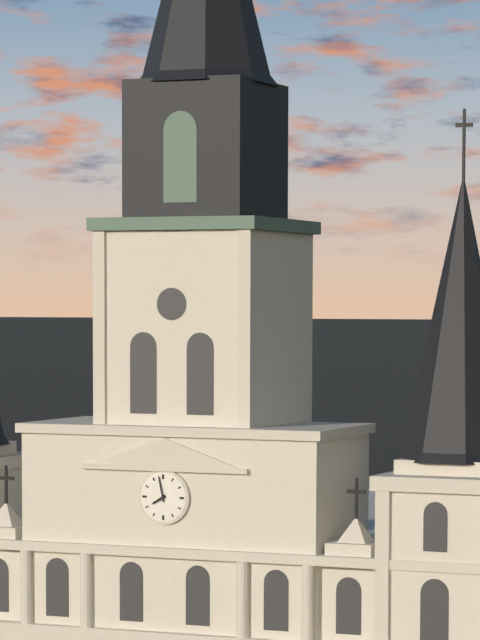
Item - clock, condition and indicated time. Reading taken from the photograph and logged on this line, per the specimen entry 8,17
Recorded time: 7,58
